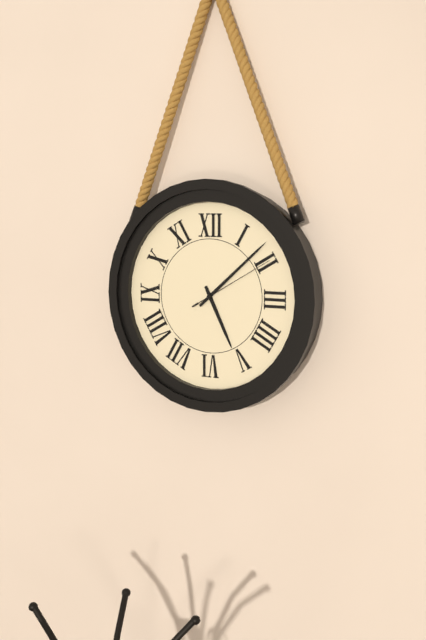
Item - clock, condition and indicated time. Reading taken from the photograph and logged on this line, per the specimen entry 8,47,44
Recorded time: 5,08,10
